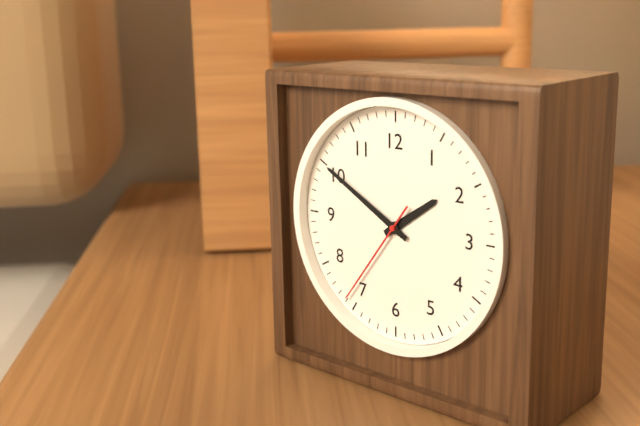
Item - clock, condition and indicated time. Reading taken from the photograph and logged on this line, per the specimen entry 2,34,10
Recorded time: 1,50,36
